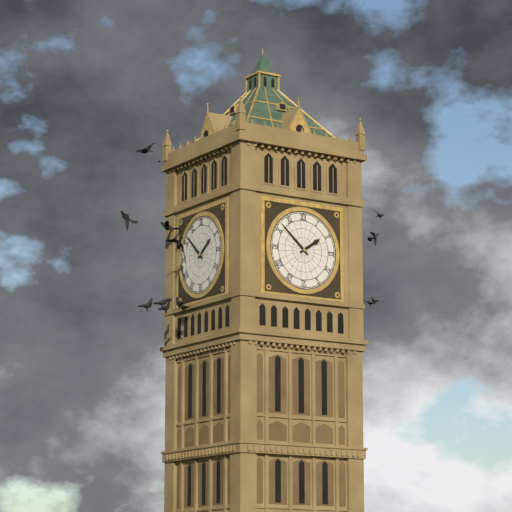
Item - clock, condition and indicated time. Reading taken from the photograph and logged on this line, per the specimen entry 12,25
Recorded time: 1,52
